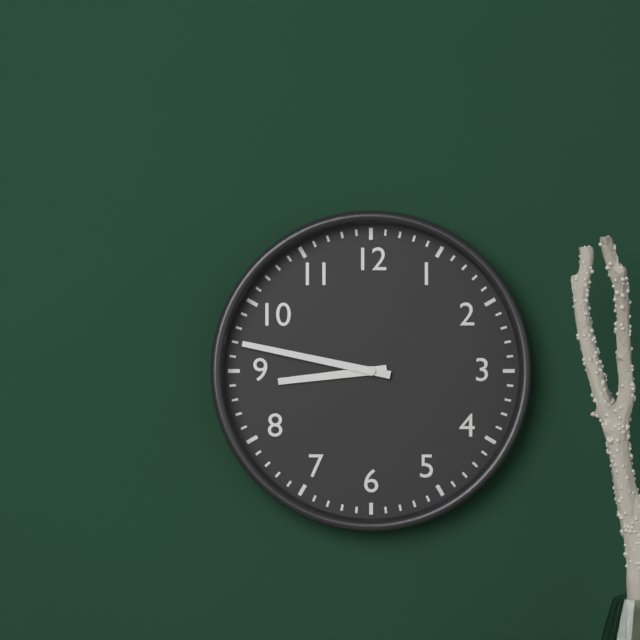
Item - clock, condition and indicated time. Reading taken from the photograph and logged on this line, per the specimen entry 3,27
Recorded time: 8,47
